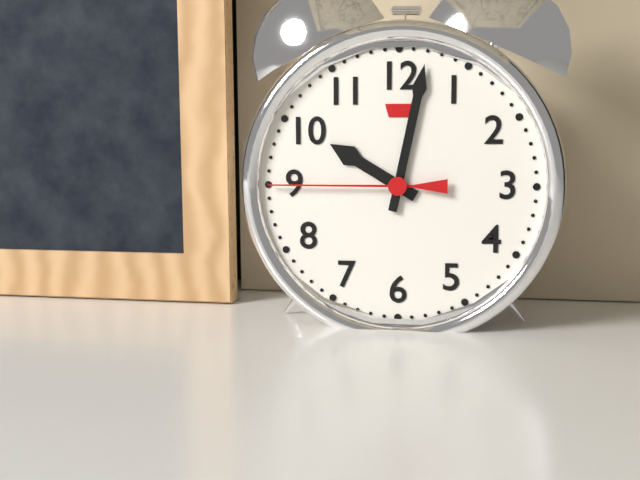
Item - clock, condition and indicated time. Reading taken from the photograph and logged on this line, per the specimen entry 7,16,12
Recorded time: 10,02,45
